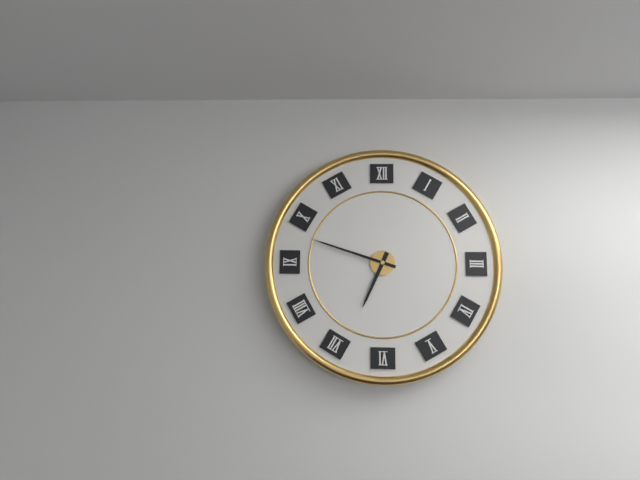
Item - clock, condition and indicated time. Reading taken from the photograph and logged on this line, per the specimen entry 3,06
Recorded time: 6,48
